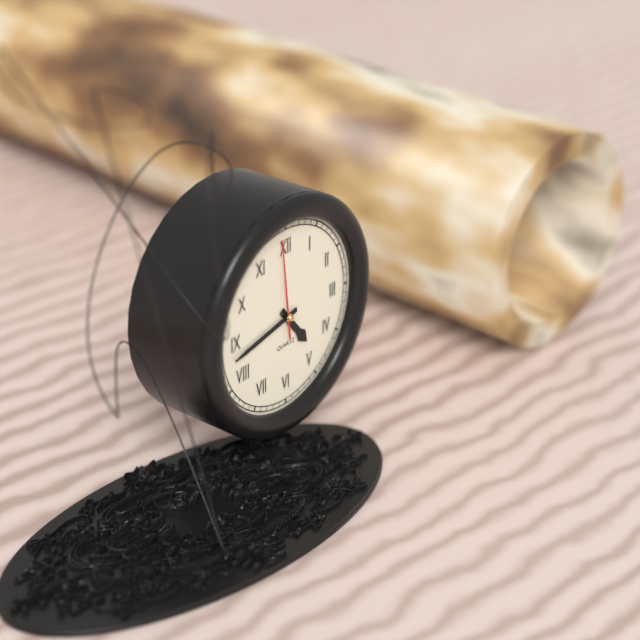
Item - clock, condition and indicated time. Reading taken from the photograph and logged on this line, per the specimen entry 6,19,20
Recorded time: 4,43,59
